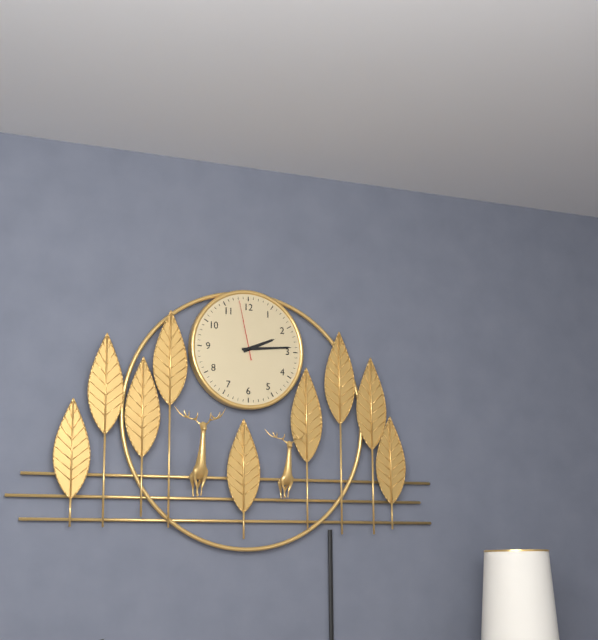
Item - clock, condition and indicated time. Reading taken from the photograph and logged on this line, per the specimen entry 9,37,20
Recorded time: 2,14,58
